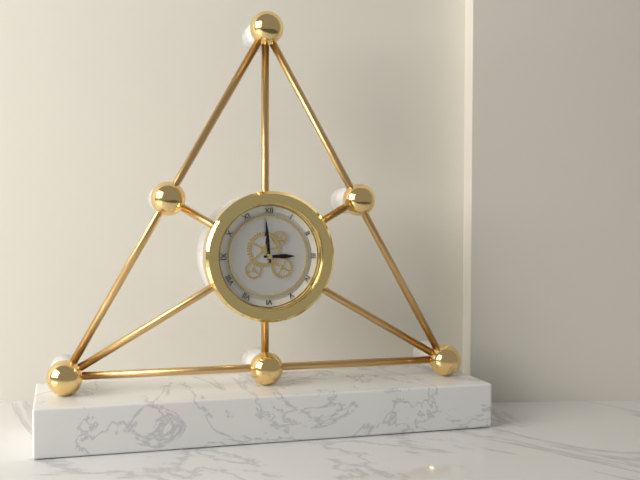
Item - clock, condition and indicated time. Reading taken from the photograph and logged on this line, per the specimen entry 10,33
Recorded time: 2,59
